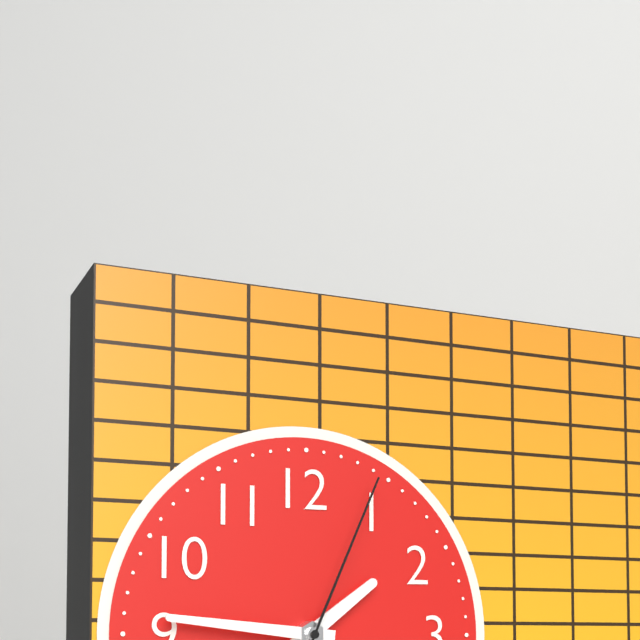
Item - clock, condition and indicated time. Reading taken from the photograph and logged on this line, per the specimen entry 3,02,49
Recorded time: 1,46,04
